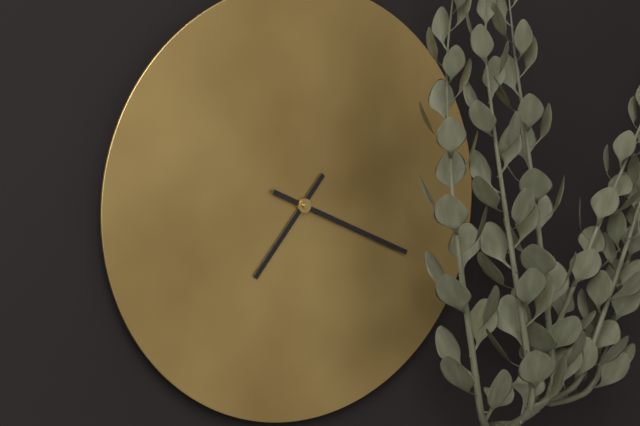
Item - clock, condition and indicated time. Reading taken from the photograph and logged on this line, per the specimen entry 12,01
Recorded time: 7,19
